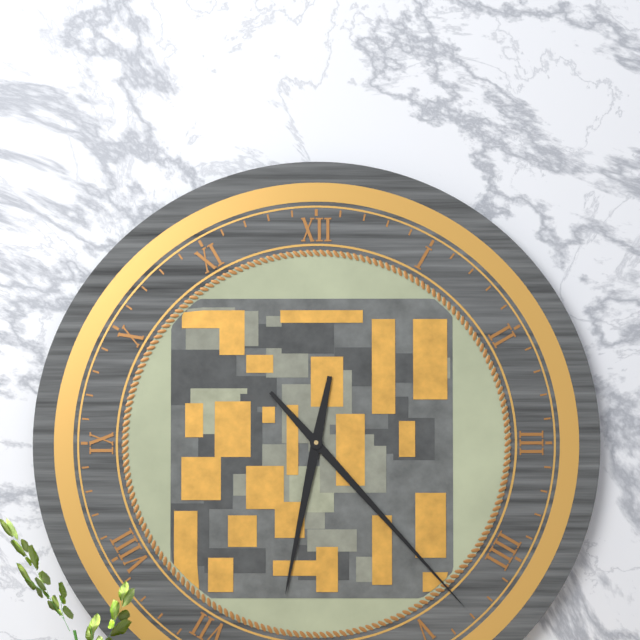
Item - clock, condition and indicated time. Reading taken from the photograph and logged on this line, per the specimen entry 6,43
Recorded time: 6,23
